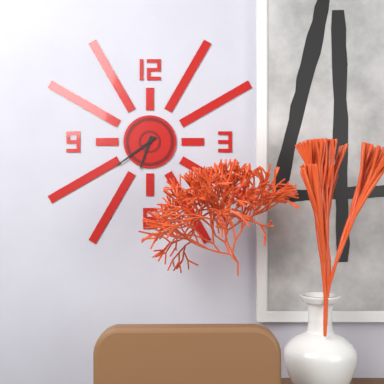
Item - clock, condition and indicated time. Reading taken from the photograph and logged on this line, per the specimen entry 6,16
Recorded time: 6,39
